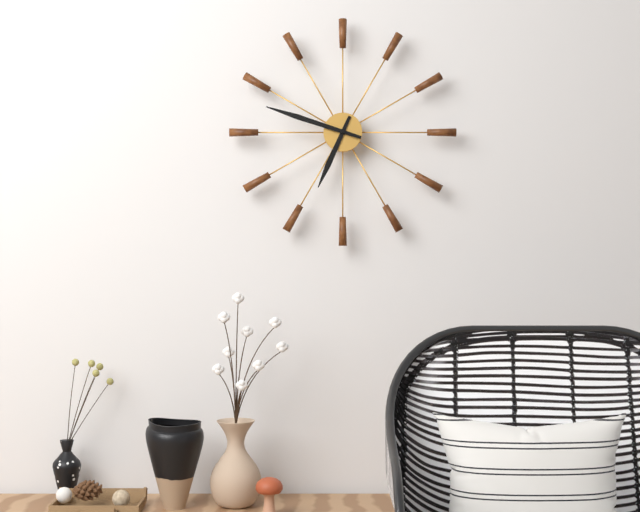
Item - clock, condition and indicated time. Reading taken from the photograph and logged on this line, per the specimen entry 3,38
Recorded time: 6,48
